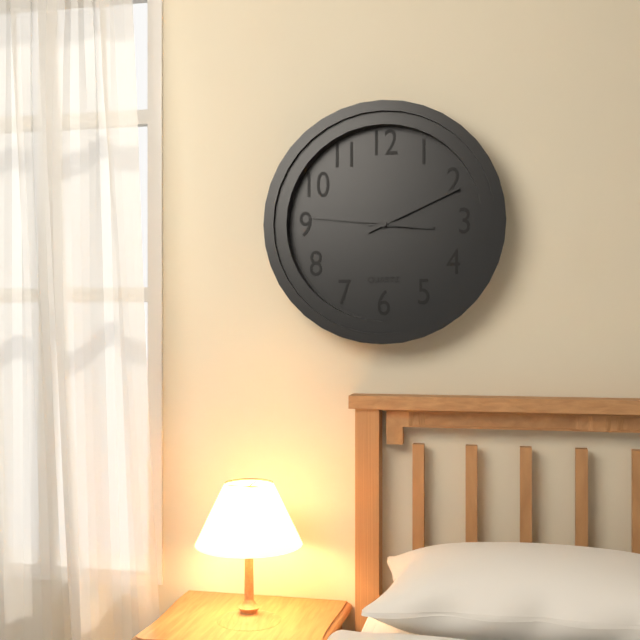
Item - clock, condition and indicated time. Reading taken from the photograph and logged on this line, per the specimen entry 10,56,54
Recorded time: 3,11,46
